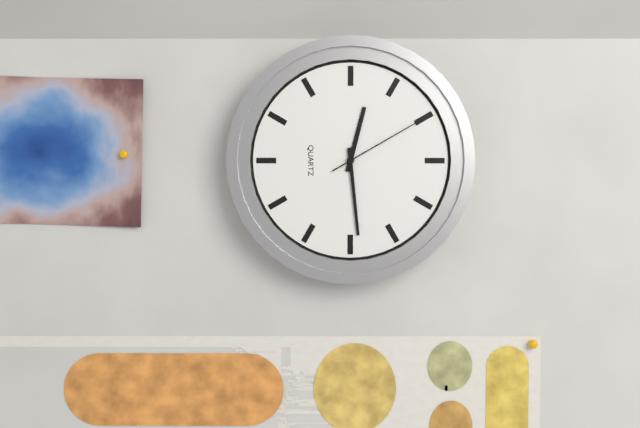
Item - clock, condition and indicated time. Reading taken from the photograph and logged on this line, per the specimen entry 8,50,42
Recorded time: 12,29,10
